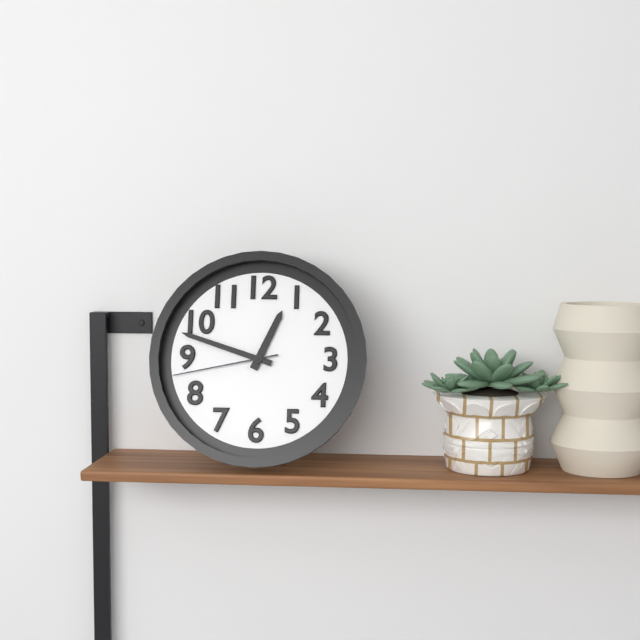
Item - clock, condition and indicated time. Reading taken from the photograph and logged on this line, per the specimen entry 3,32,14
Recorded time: 12,48,43
